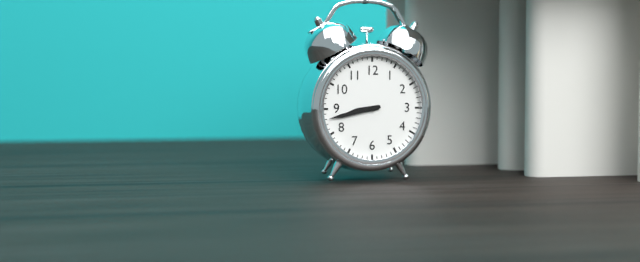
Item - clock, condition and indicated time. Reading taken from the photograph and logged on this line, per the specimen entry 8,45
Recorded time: 8,43
